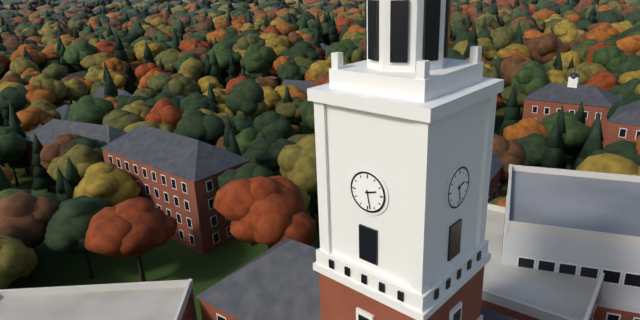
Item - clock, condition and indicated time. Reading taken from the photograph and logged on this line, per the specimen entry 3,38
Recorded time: 2,28
